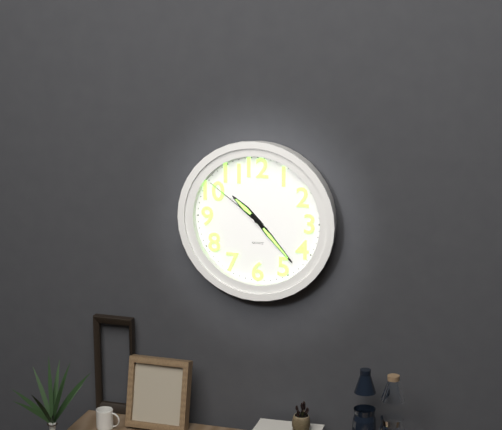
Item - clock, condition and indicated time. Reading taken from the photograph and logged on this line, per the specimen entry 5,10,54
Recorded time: 10,23,51
